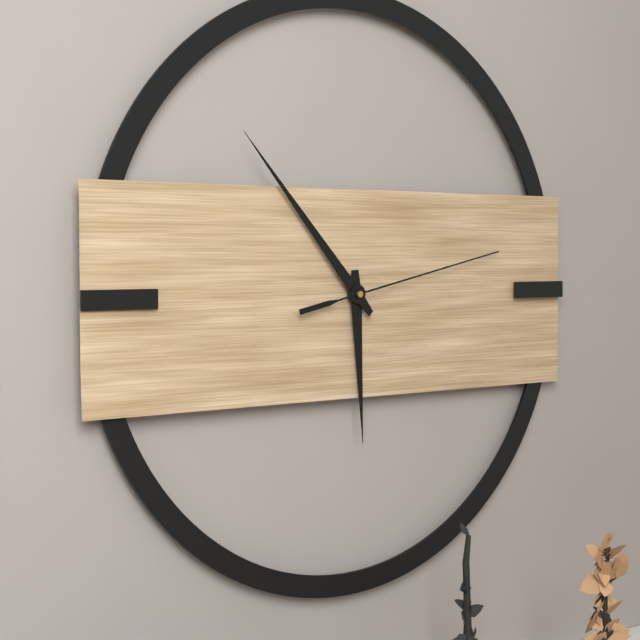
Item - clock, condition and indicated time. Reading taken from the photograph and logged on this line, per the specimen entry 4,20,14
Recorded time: 5,53,13
